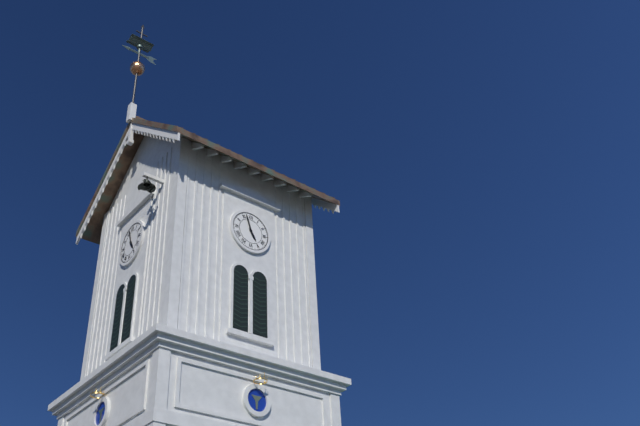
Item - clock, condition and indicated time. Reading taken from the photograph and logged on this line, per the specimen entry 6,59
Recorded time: 4,57
